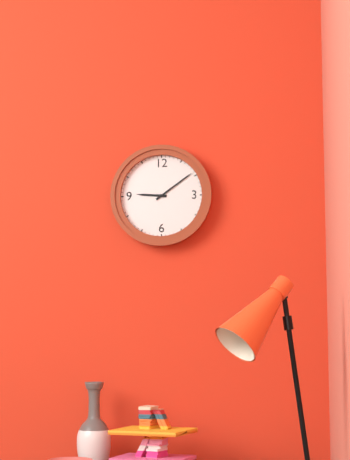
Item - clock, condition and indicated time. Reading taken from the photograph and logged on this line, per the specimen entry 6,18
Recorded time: 9,09
